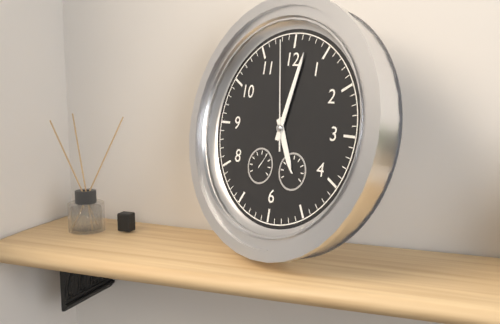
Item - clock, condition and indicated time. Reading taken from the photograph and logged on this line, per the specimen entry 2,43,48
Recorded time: 5,02,58
